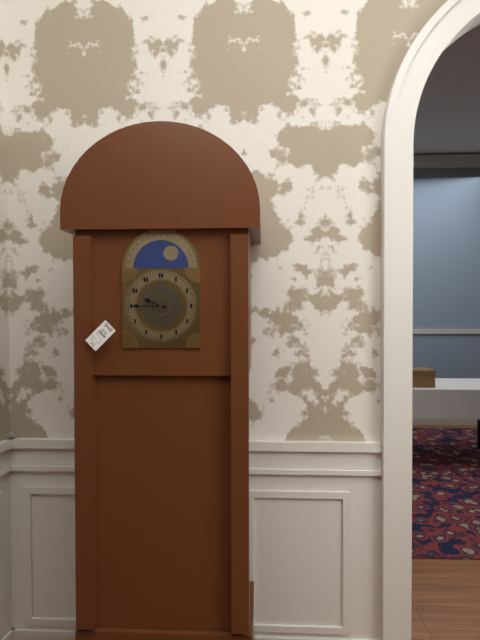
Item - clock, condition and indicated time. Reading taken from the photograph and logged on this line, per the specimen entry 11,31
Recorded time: 9,45
